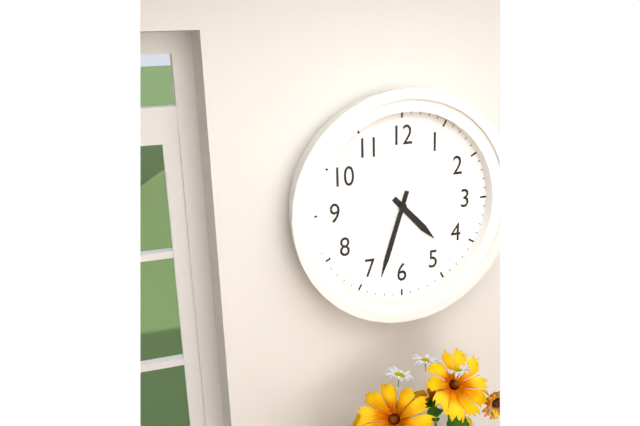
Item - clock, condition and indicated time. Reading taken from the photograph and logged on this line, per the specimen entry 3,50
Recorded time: 4,33
